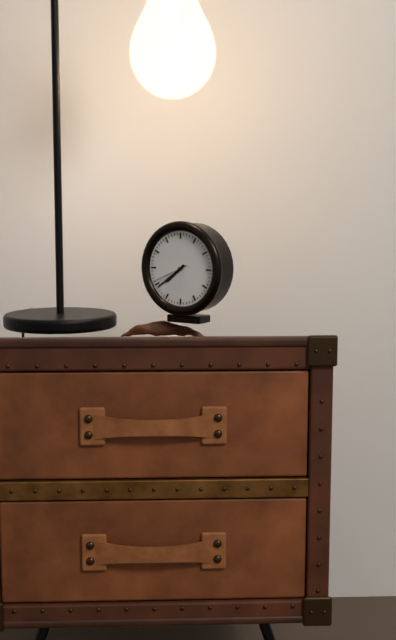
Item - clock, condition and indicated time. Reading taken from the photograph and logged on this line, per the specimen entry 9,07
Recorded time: 7,39
